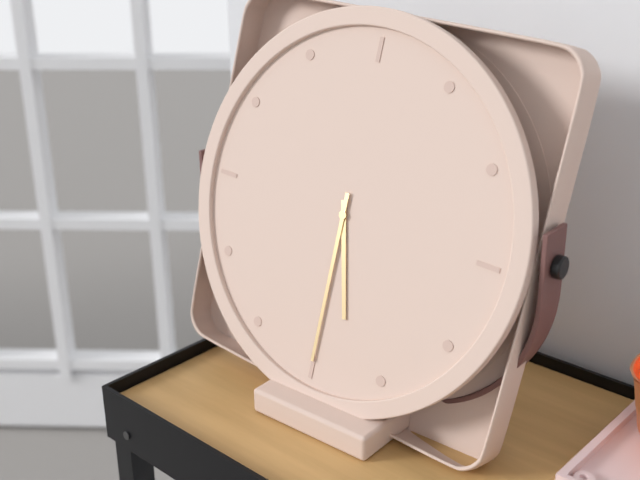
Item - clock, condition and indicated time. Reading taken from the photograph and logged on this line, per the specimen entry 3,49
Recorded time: 5,30
